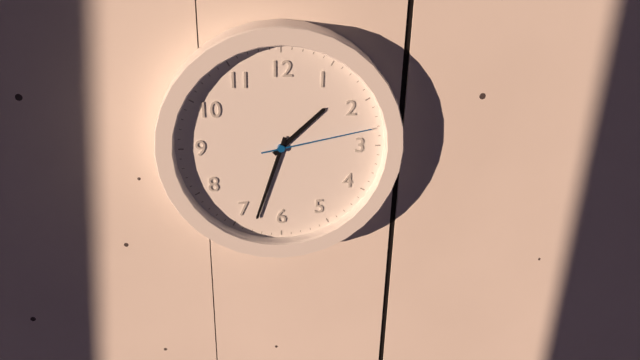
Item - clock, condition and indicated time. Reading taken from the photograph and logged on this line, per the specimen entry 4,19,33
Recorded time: 1,33,13
